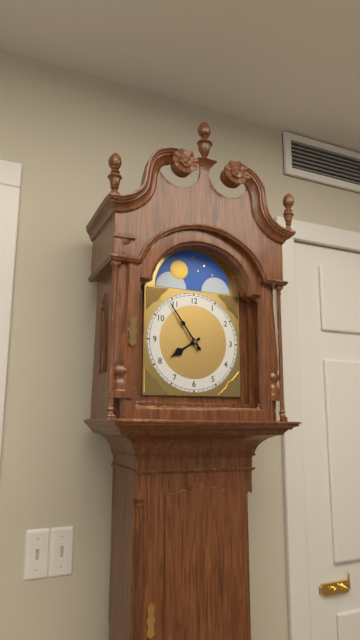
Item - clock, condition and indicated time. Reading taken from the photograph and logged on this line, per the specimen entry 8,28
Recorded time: 7,54
